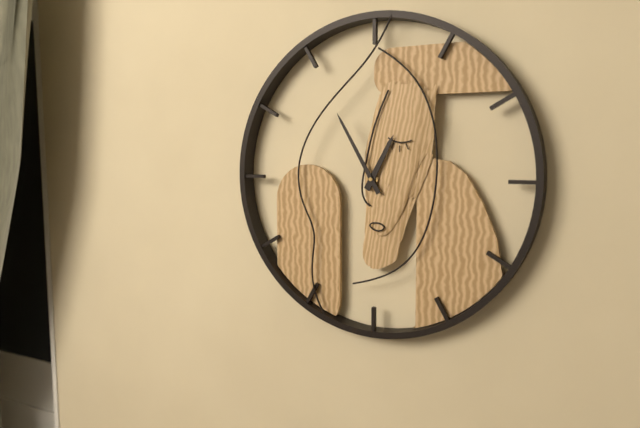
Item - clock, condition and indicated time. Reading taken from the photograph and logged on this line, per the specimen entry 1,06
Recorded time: 12,55
